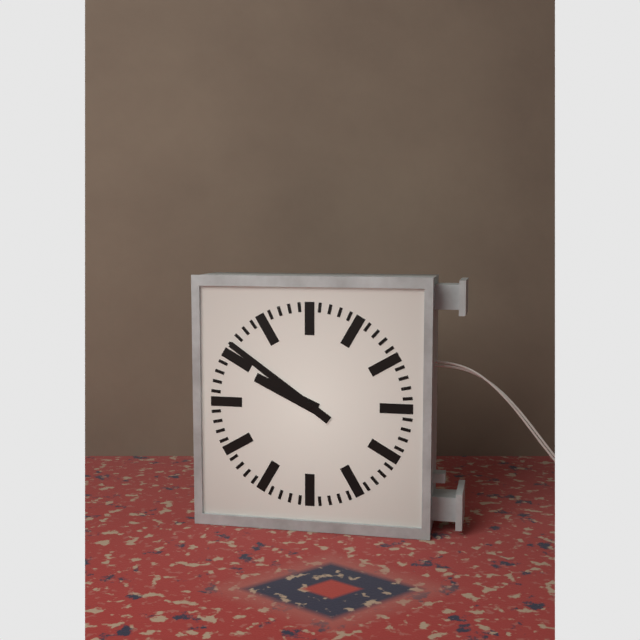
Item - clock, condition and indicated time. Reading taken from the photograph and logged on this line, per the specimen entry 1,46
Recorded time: 9,51
